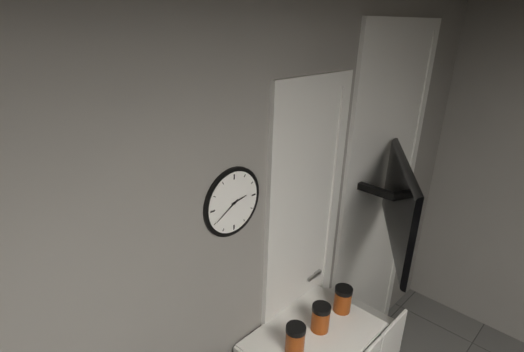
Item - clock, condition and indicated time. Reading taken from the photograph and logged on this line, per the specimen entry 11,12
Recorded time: 2,40
